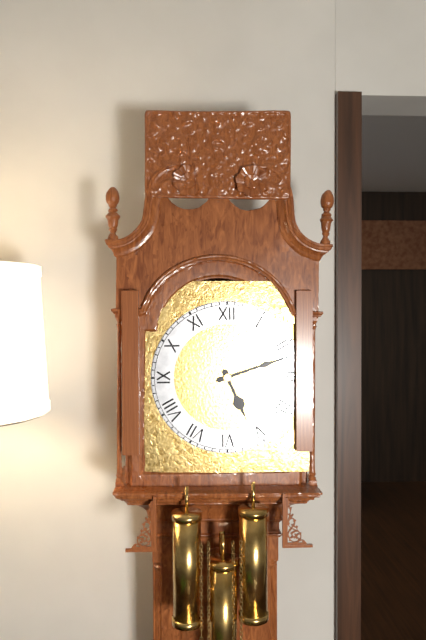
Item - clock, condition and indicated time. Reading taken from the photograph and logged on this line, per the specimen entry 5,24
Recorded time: 5,12
